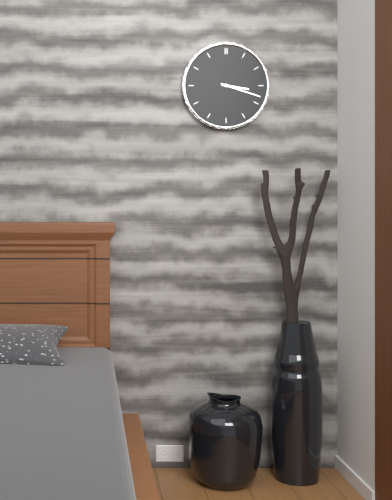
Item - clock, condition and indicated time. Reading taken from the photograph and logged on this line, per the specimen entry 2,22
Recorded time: 3,18
